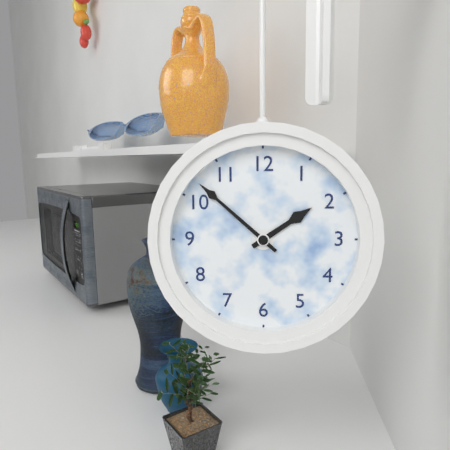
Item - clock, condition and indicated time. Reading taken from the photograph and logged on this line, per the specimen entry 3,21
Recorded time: 1,52
